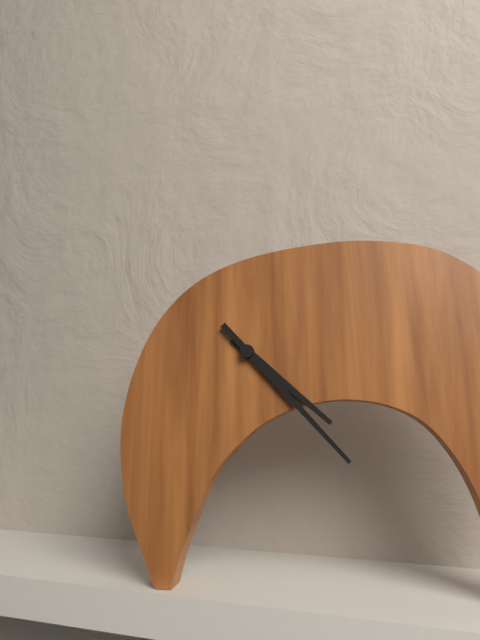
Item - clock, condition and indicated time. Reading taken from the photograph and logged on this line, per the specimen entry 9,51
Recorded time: 4,23
